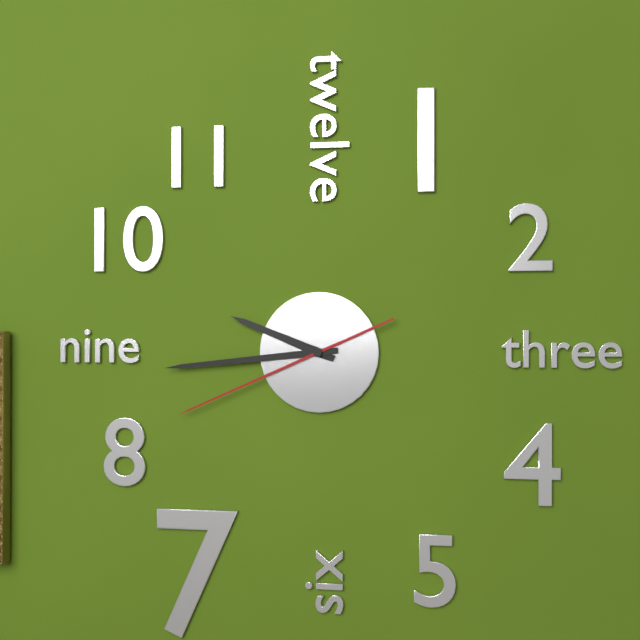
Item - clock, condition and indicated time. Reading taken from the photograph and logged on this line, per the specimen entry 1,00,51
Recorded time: 9,44,41
